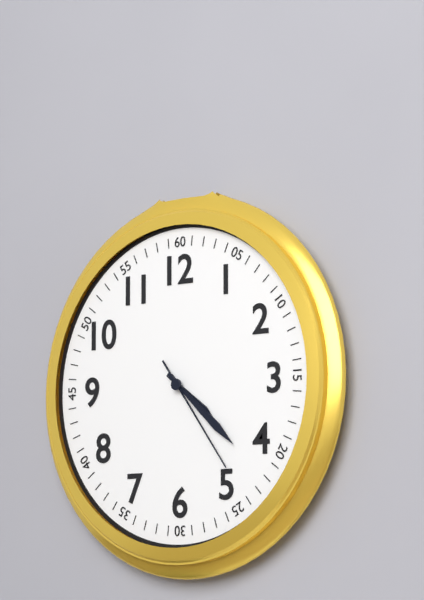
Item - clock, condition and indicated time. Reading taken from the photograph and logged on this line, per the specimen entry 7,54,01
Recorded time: 4,22,24
